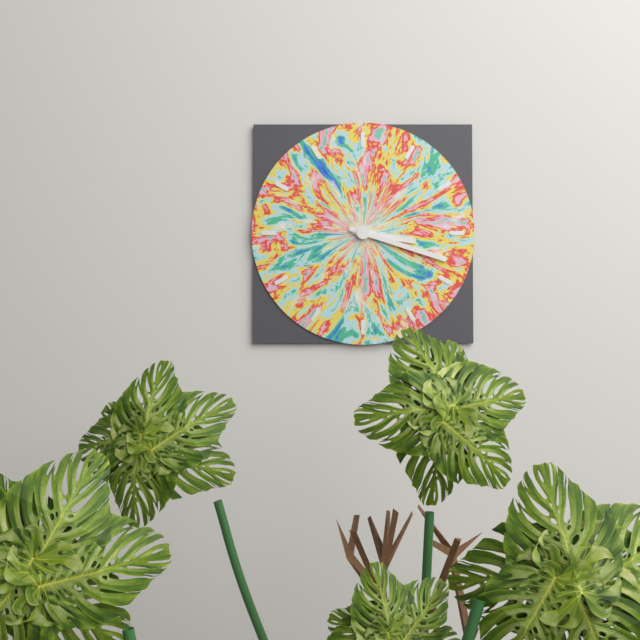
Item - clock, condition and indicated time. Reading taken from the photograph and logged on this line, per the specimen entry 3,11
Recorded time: 3,18
